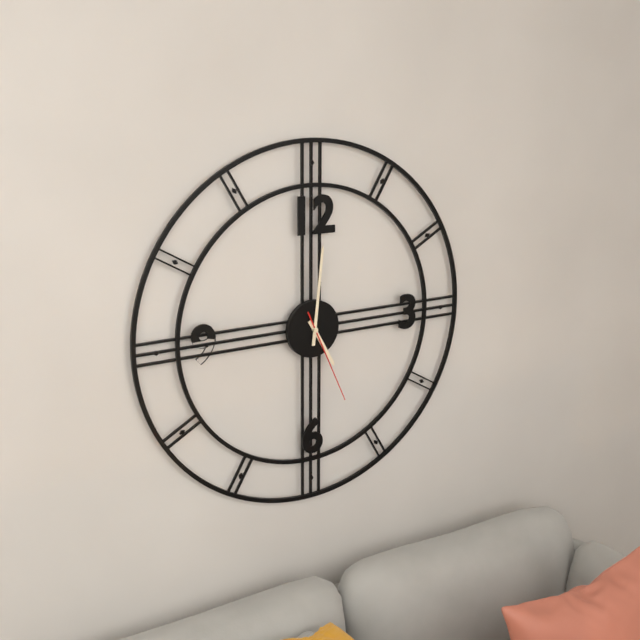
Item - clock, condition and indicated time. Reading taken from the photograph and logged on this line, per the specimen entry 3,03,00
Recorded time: 5,01,26
